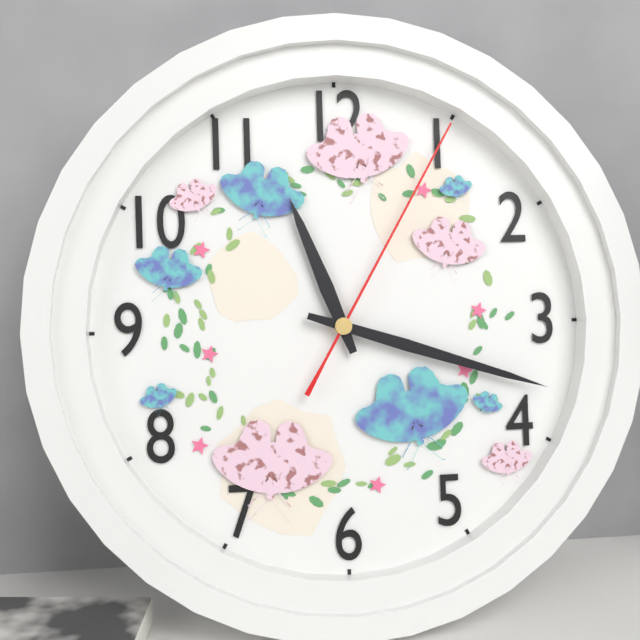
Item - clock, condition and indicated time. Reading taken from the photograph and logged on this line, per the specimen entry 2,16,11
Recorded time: 11,18,05
